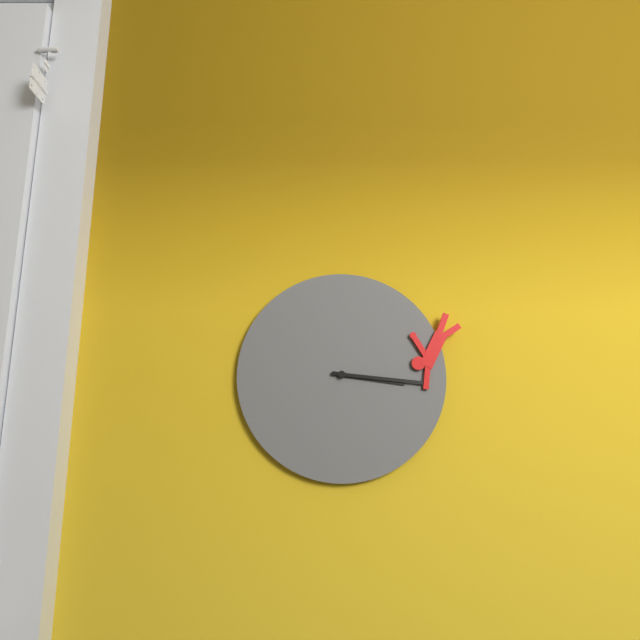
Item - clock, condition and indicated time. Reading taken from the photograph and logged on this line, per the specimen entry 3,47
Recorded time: 3,16
